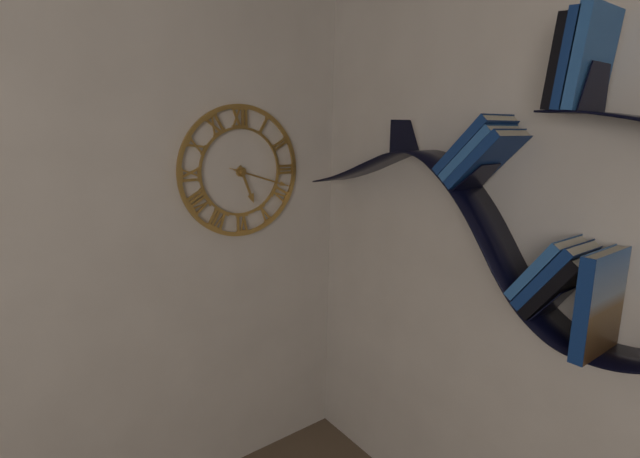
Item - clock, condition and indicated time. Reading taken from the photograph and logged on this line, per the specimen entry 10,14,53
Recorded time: 5,18,18
